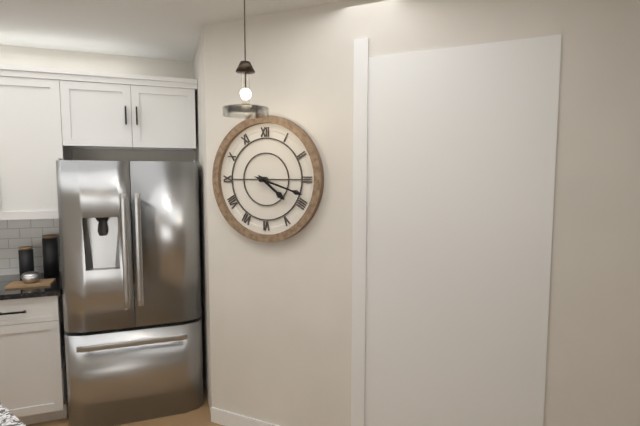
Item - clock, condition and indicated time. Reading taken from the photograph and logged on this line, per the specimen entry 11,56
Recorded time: 4,18
